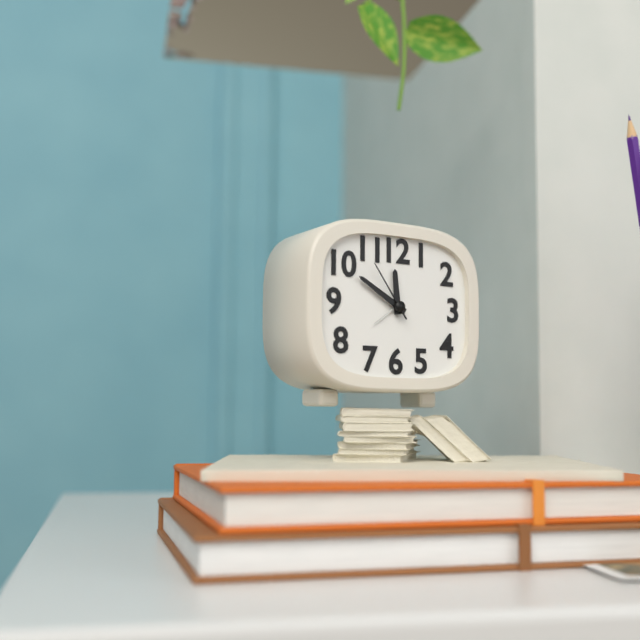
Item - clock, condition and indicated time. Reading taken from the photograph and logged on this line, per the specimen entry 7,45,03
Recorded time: 11,50,54
